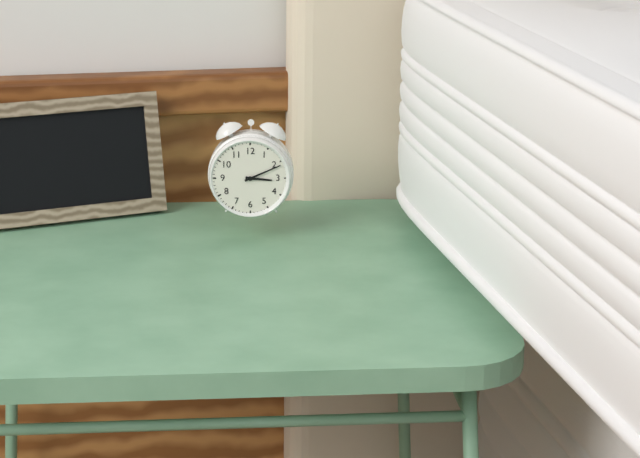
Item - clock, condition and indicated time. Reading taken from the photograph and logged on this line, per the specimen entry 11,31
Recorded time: 3,11
